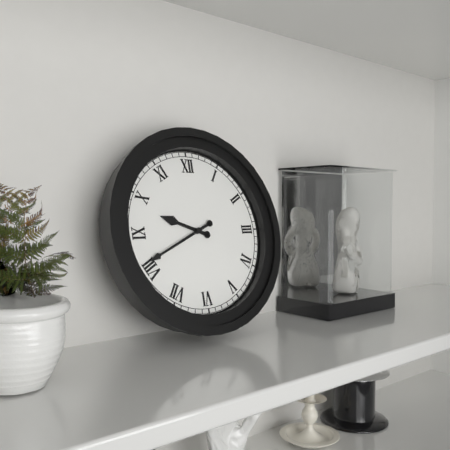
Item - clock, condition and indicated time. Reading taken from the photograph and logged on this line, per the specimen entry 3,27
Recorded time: 9,41
